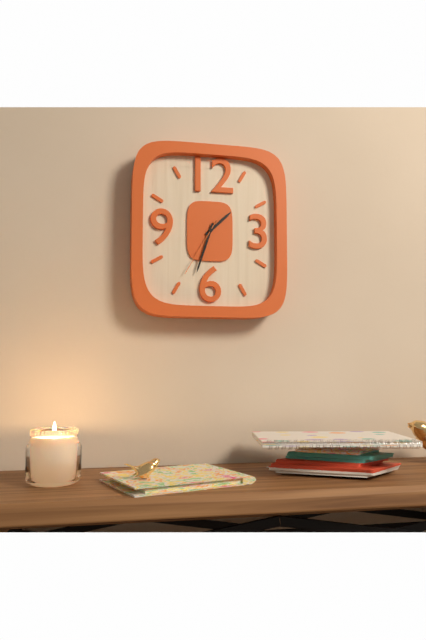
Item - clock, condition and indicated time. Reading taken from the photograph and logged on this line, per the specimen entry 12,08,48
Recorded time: 1,33,35
